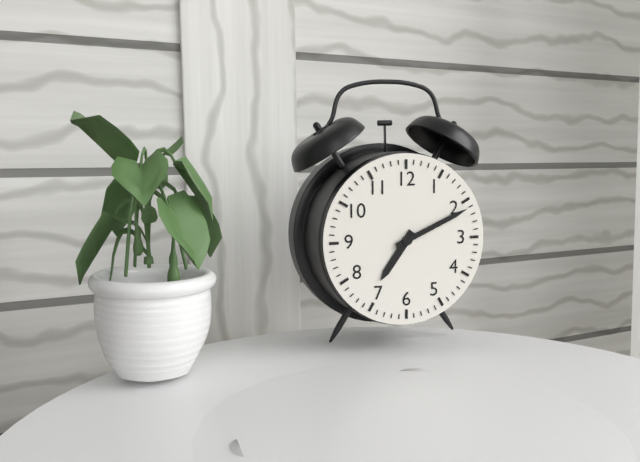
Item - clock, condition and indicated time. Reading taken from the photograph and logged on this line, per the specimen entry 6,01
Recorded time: 7,11
